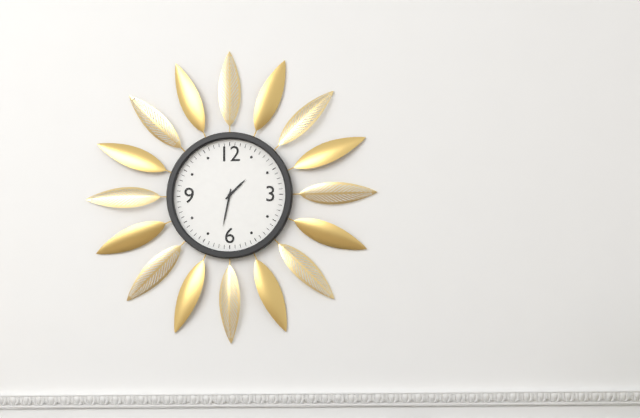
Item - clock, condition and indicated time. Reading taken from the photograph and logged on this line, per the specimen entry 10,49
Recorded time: 1,32
